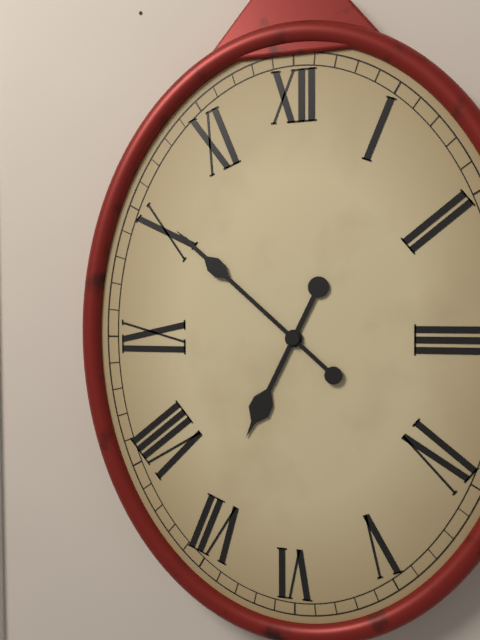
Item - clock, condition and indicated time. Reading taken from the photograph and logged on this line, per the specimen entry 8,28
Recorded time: 6,52
